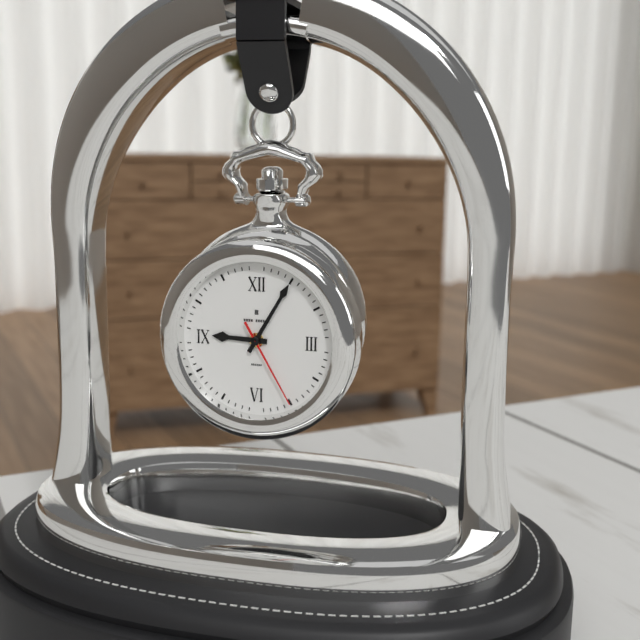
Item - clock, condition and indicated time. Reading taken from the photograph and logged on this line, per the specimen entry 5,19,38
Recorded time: 9,05,25
